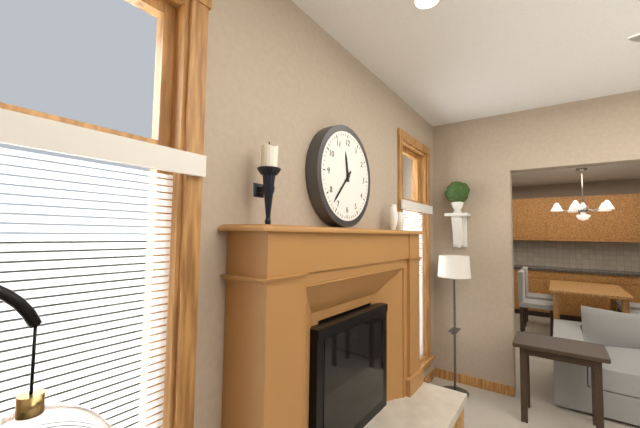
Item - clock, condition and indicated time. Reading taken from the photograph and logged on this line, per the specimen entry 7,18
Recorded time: 11,37
